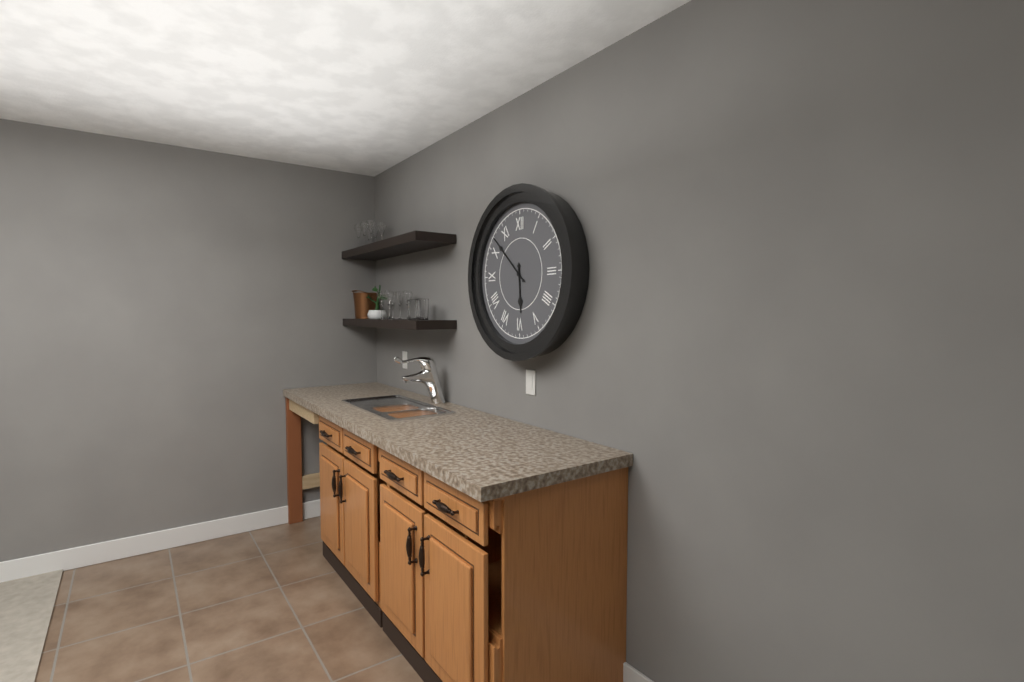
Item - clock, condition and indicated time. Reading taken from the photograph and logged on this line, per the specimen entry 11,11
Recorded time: 5,52
